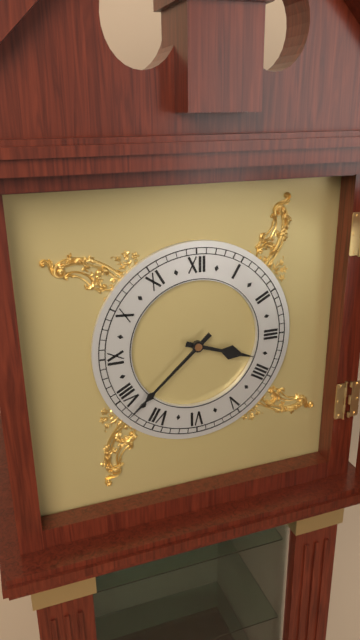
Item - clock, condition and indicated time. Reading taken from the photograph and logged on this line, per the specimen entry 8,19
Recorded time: 3,38
